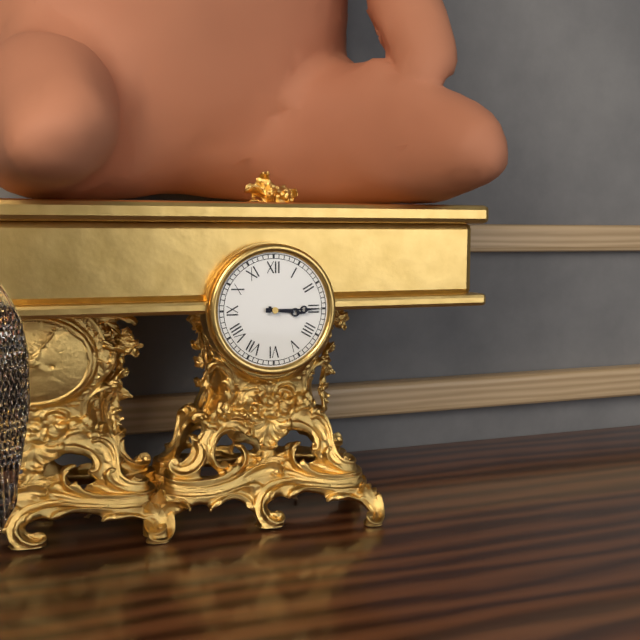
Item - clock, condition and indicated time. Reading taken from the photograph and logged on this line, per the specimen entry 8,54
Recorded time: 3,15
